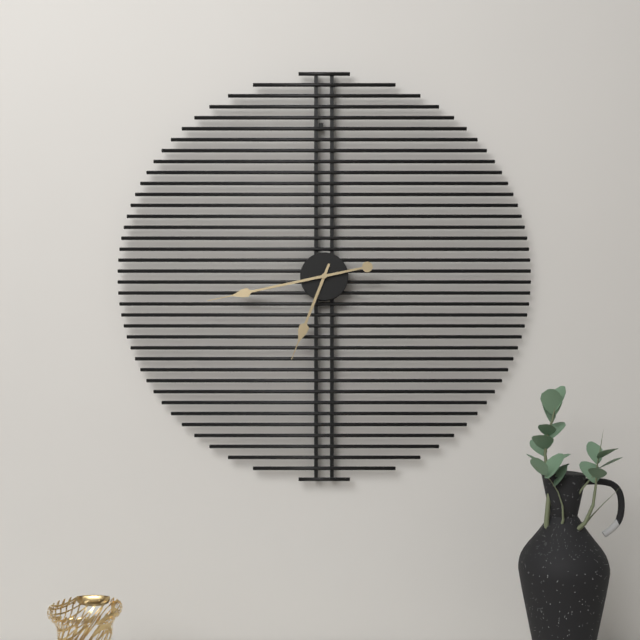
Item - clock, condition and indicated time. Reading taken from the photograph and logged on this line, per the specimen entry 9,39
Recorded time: 6,43
